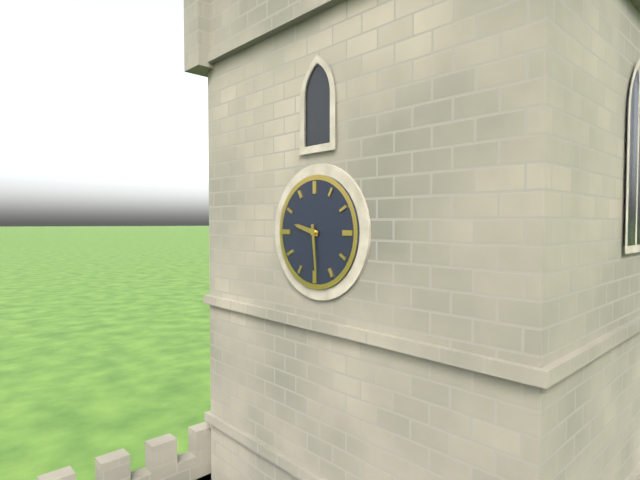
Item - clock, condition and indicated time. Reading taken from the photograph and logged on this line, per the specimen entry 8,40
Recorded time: 9,29
